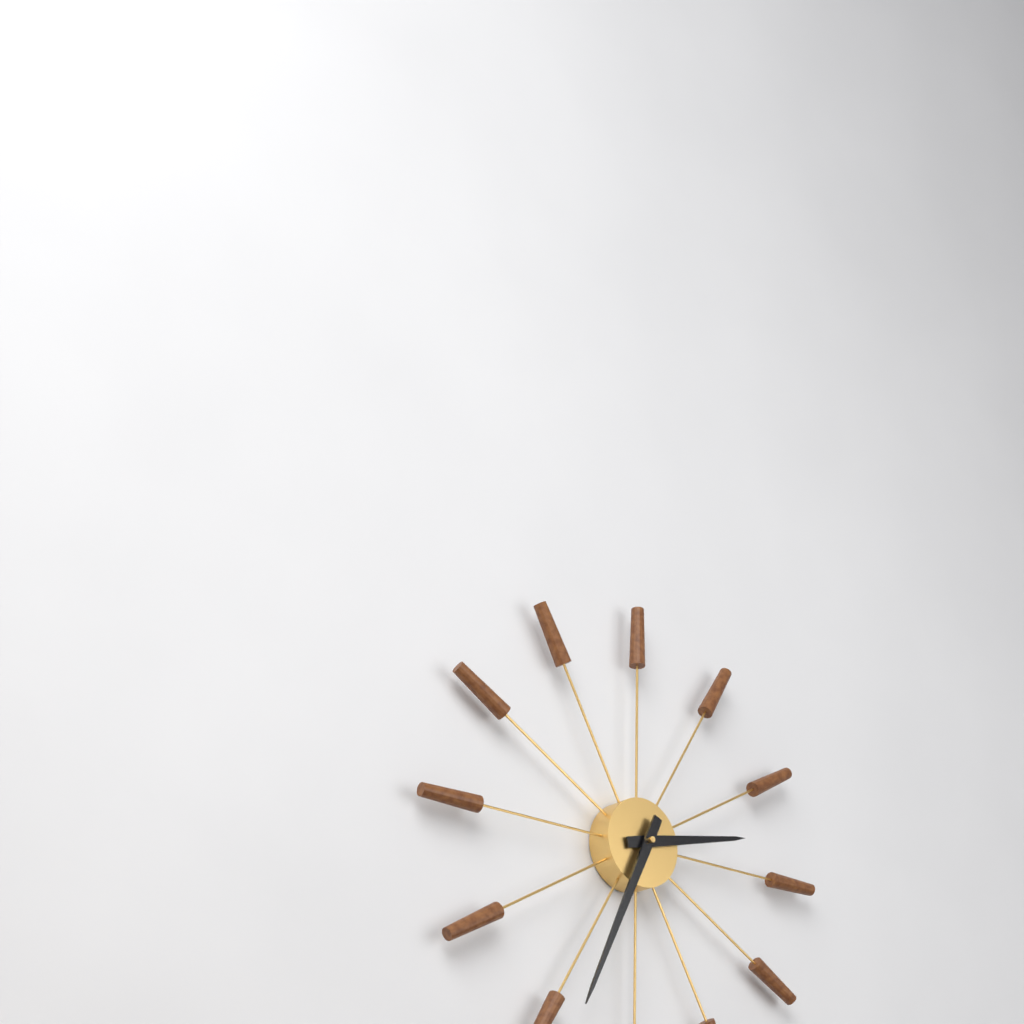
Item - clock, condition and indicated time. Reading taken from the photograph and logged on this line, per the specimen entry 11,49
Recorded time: 2,34
